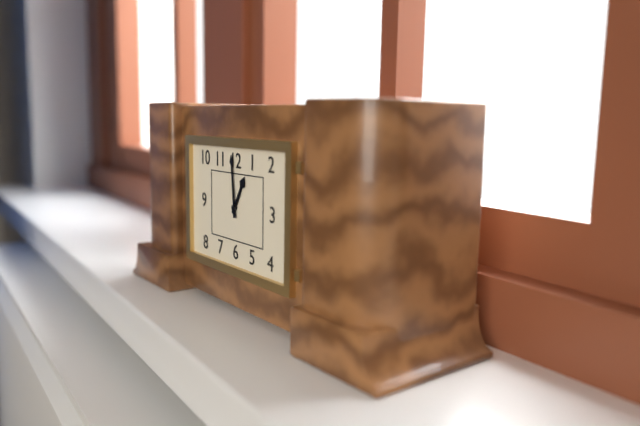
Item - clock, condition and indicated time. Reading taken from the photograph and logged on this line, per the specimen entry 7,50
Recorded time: 12,59
